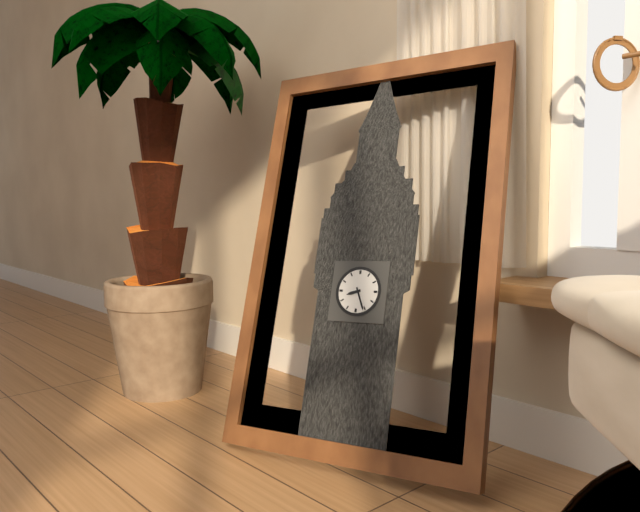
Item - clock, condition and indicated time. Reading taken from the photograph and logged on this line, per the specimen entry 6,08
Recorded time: 8,26
